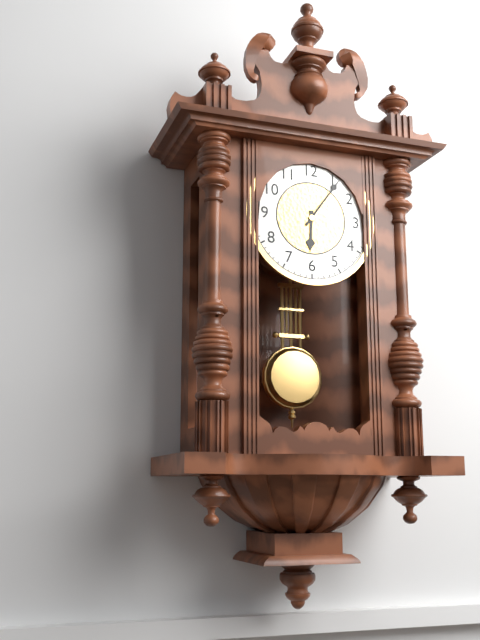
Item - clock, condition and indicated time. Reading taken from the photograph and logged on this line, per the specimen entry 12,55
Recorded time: 6,06
